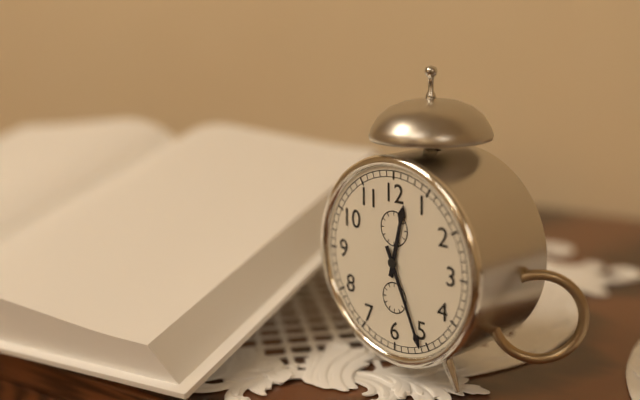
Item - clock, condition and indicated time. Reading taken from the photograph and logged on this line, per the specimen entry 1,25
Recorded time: 12,26
